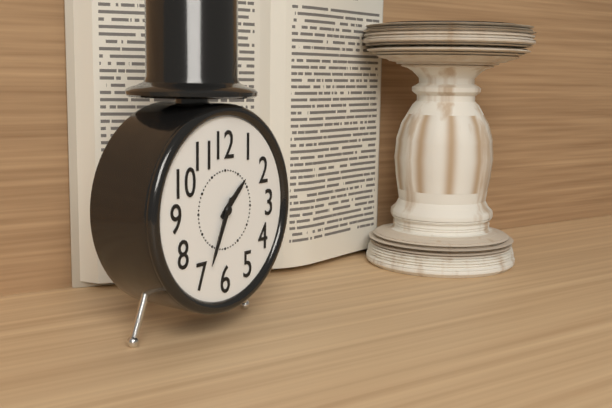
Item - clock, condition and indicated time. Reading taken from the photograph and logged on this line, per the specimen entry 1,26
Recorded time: 1,34
